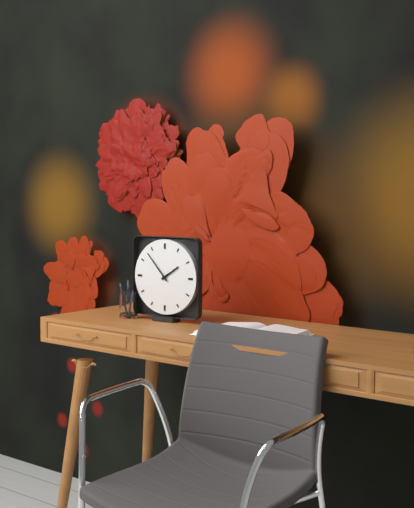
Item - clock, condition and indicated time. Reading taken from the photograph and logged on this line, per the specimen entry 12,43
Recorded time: 1,53
